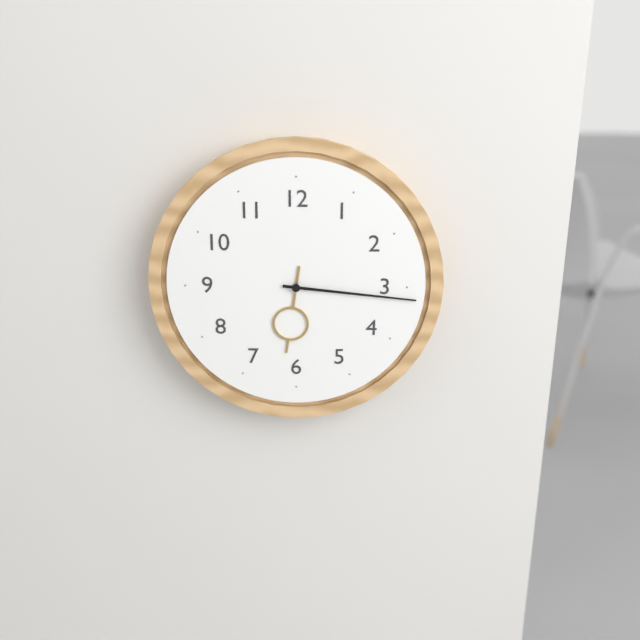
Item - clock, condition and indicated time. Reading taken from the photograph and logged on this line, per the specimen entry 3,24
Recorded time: 6,16
